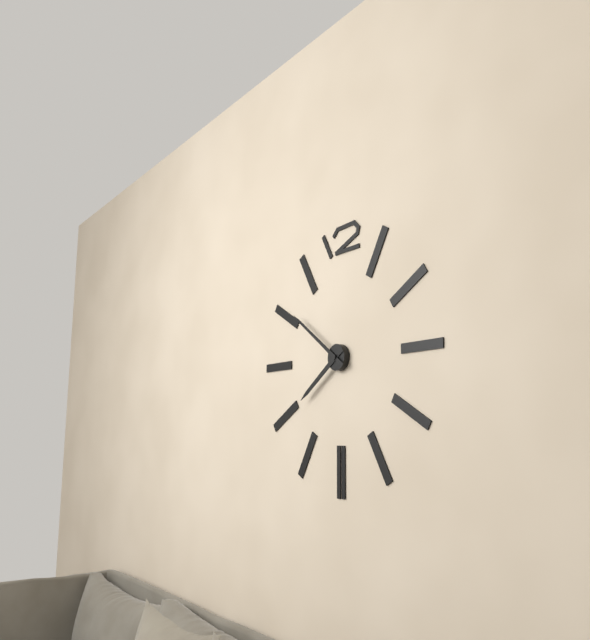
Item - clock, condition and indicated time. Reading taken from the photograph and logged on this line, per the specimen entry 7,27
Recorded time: 7,51
